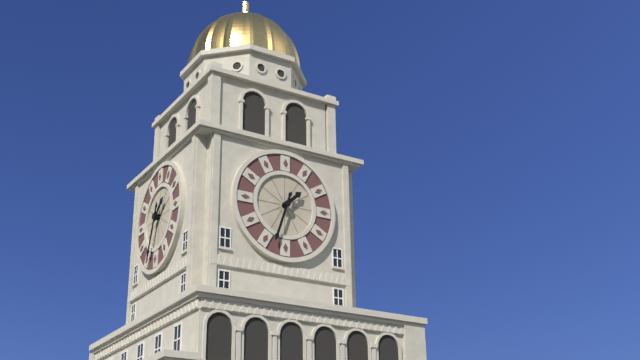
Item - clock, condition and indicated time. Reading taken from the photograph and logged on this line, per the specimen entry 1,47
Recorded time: 1,33
